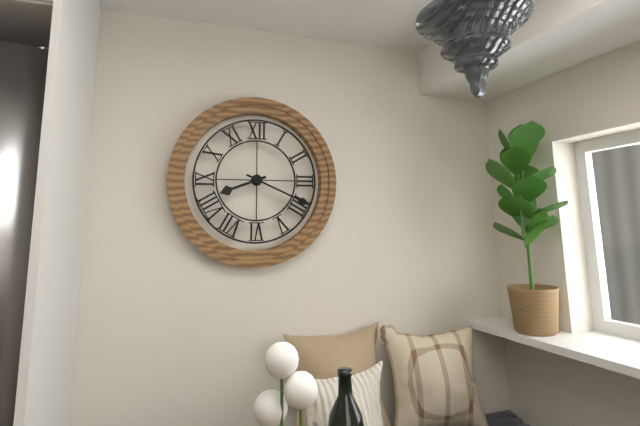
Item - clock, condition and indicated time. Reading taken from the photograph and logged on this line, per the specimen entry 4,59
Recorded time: 8,19
